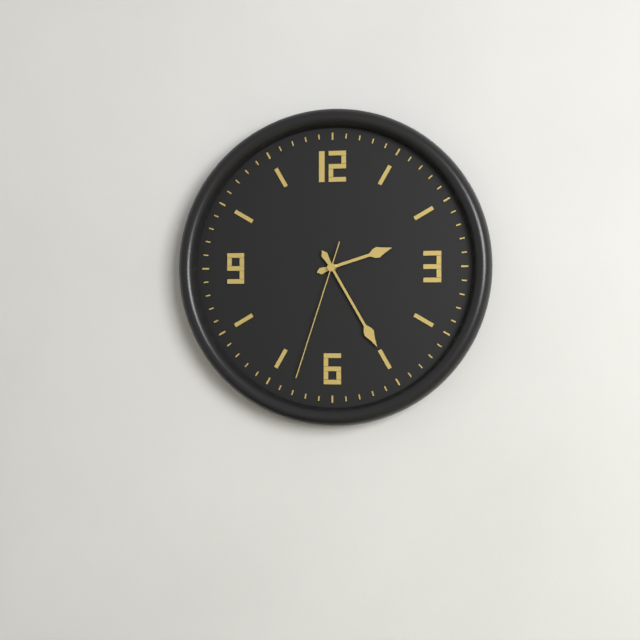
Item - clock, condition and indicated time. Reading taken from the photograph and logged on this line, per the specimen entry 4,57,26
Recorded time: 2,25,33
